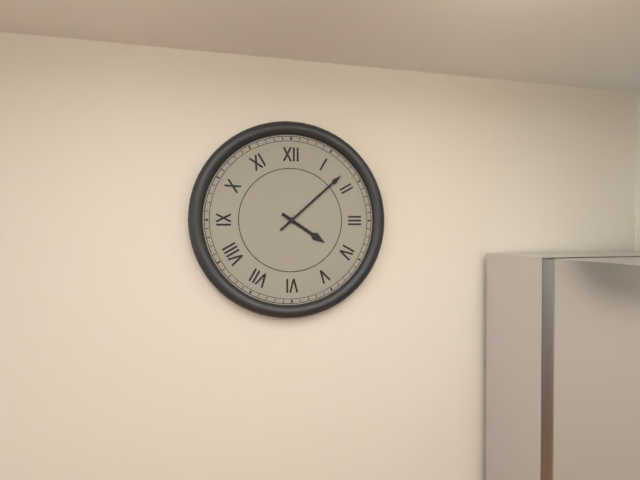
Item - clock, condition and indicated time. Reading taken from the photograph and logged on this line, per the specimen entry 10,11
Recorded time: 4,08
